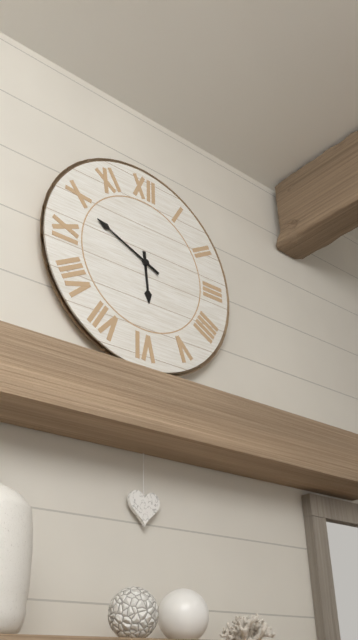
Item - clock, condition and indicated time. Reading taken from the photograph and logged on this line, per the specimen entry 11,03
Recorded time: 5,49
